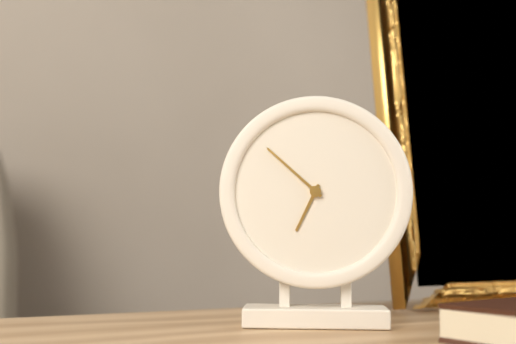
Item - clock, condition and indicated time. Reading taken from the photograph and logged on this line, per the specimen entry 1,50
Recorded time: 6,52
